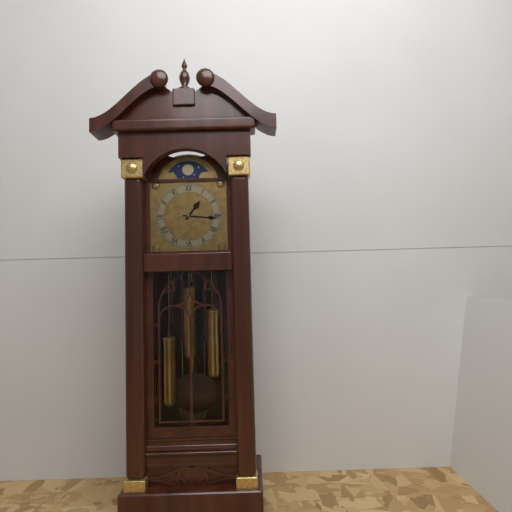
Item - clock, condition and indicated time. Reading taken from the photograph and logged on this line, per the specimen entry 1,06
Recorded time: 1,16
